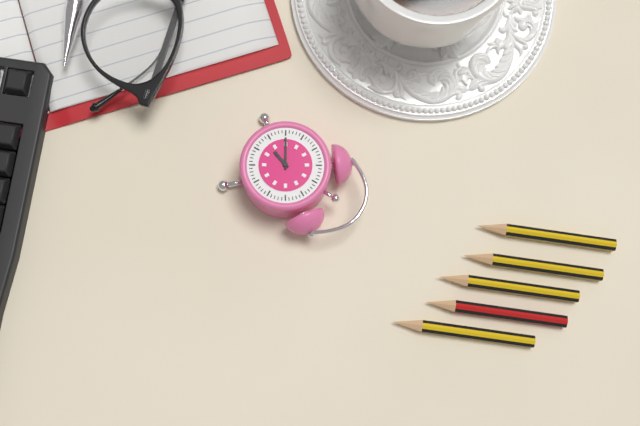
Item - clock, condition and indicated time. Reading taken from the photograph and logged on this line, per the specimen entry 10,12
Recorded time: 6,40
